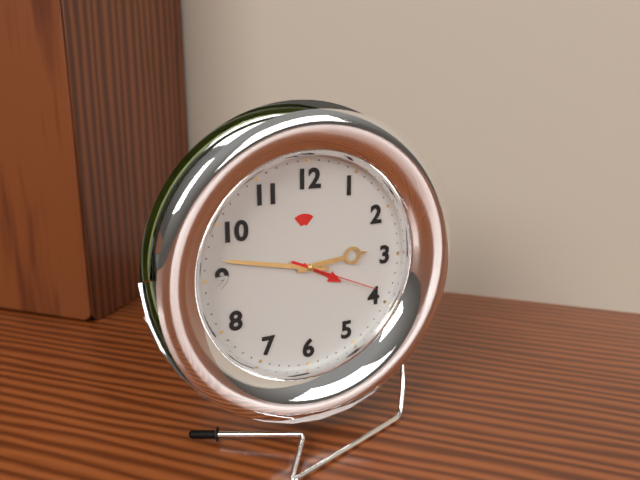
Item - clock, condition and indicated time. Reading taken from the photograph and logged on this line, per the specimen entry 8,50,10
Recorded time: 2,47,19
